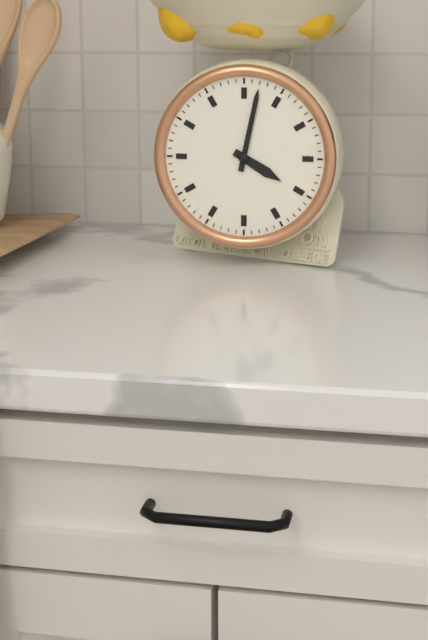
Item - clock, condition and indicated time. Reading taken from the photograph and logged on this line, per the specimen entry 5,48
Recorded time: 4,02
